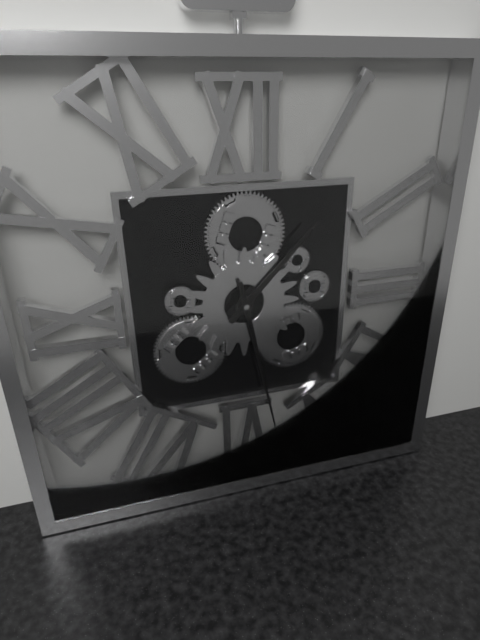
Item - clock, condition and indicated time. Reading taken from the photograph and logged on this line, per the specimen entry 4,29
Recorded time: 1,28
